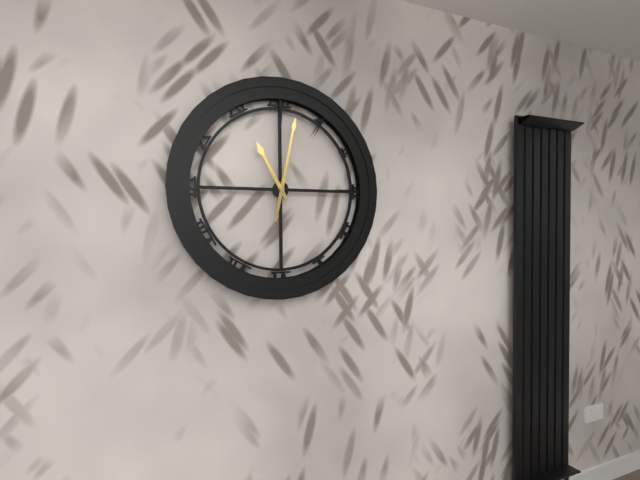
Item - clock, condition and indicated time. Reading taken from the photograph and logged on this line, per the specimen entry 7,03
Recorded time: 11,02
